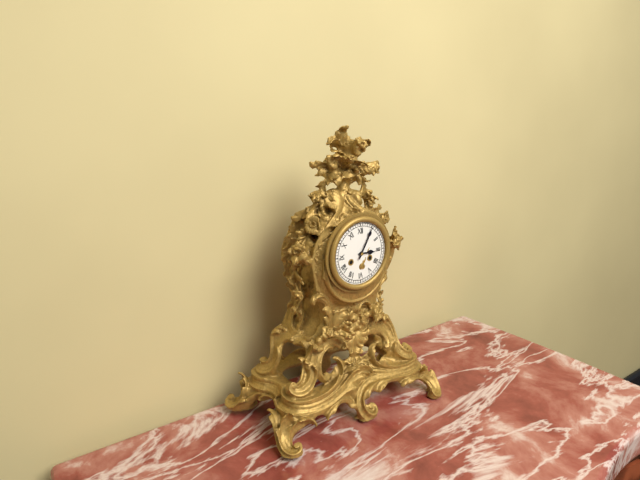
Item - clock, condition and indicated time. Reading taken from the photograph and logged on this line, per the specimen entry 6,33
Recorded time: 3,05
